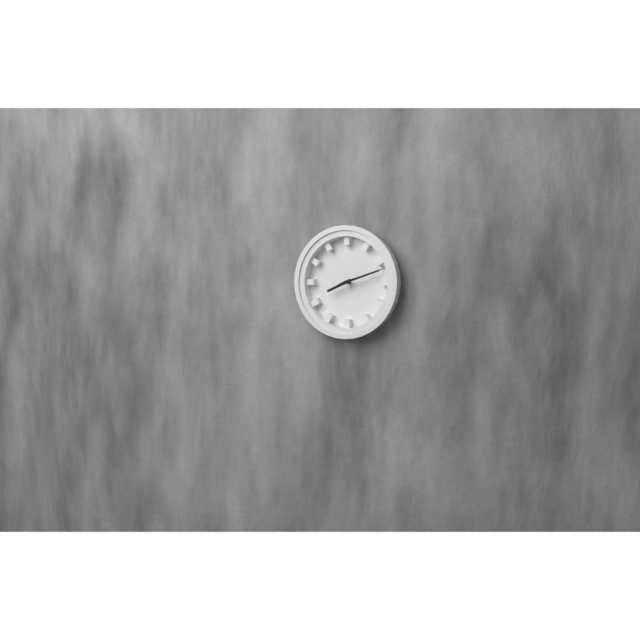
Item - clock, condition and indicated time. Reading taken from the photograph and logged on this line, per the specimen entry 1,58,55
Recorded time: 8,12,12
